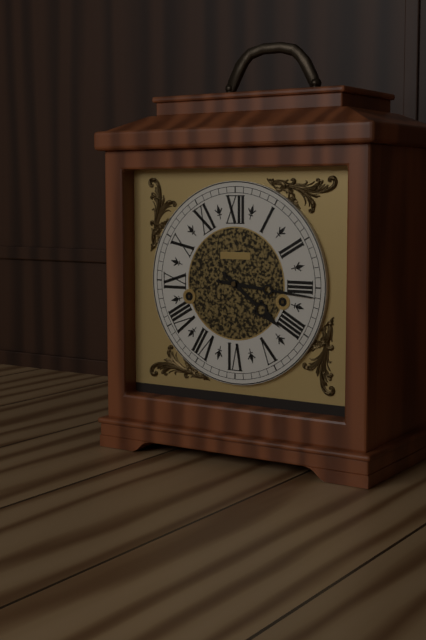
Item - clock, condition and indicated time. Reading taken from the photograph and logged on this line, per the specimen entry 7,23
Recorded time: 4,16
